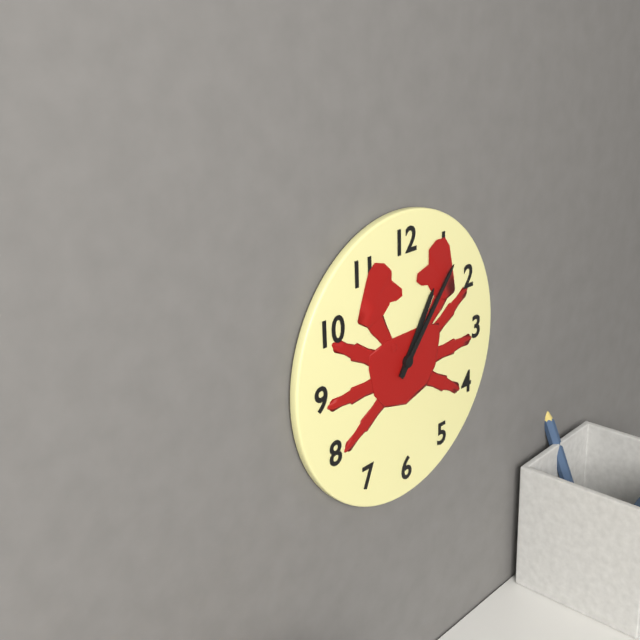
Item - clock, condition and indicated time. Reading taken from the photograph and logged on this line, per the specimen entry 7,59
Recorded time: 1,07
